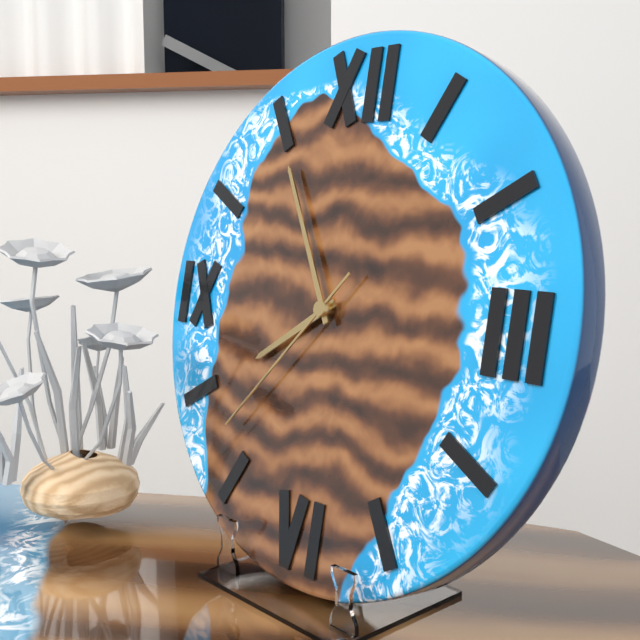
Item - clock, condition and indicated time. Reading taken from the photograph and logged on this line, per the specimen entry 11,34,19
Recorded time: 7,55,37
